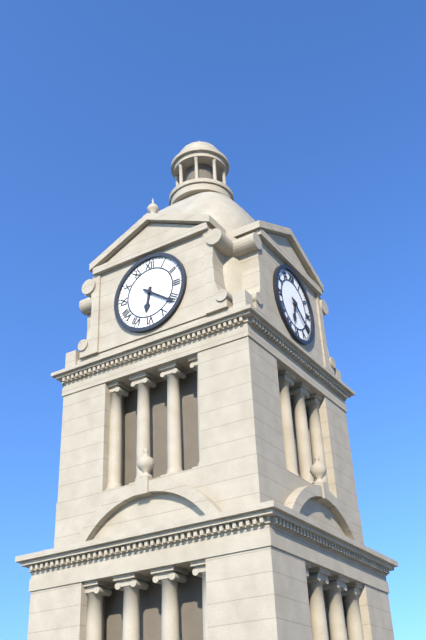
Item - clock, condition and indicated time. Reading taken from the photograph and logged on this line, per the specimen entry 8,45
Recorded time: 6,21
